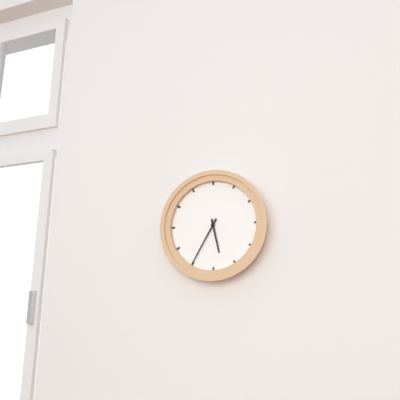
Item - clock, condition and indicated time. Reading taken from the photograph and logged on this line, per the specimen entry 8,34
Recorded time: 5,35
